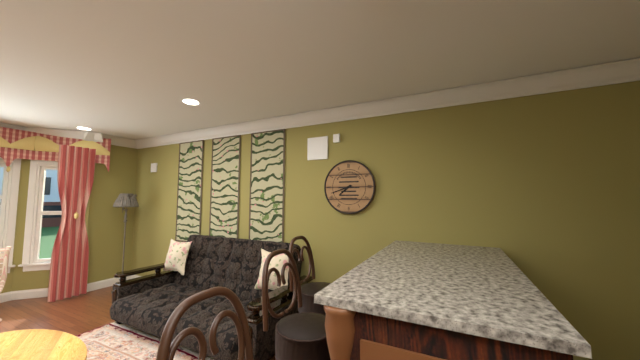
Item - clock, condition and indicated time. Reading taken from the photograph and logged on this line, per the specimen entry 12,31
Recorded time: 7,42
